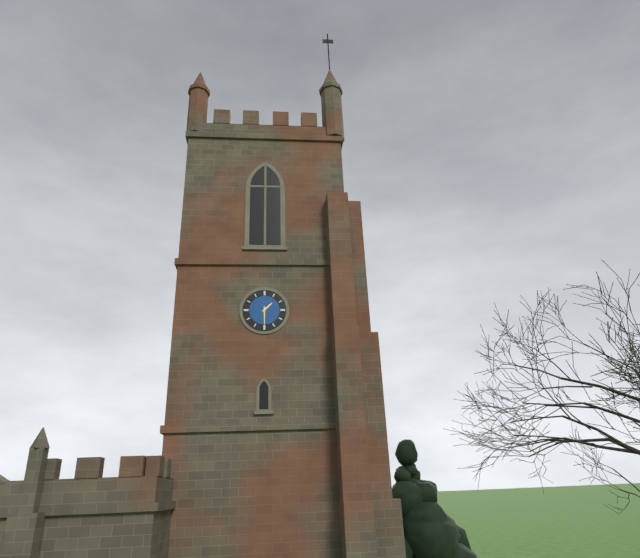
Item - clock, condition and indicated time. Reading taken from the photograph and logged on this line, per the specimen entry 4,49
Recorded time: 1,30
